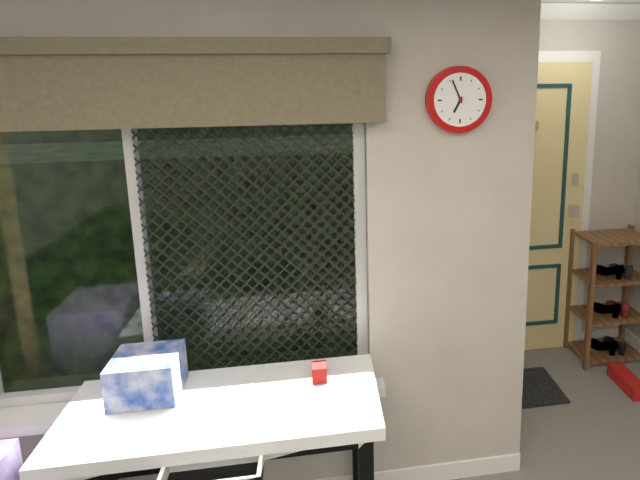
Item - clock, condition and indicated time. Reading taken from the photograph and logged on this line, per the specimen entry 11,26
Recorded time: 6,56
